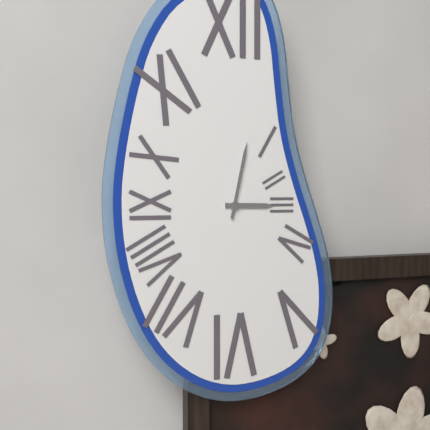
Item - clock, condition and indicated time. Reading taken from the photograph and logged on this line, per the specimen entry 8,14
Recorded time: 3,02
